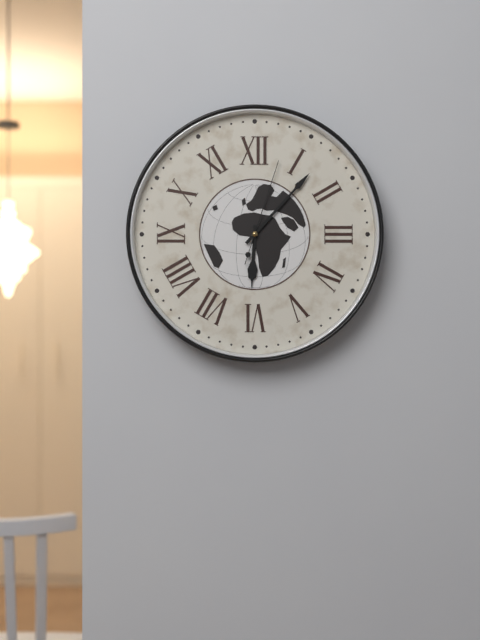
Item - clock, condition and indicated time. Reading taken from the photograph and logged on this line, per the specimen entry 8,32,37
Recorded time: 6,07,03
